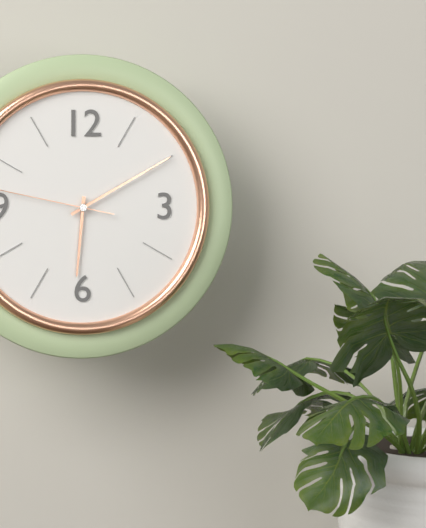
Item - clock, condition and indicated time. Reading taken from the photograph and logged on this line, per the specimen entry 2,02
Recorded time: 6,10
